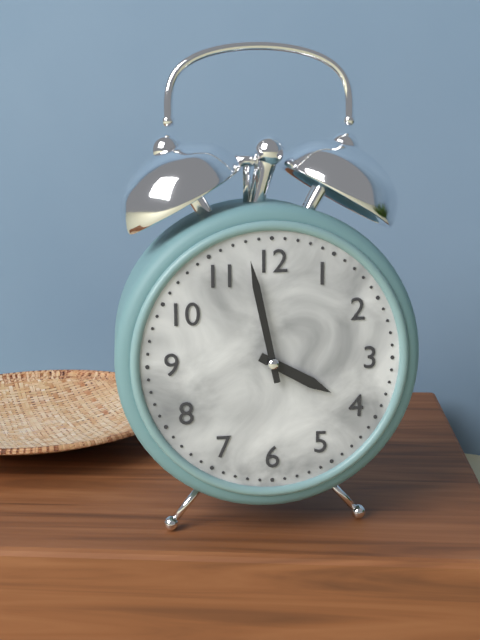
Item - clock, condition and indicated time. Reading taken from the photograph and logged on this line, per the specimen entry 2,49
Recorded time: 3,58
